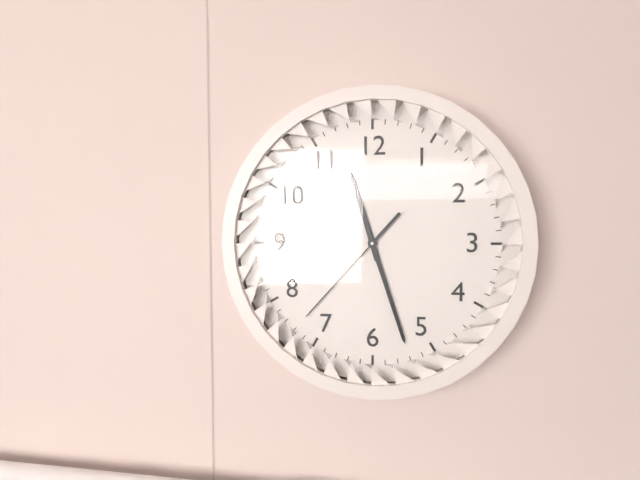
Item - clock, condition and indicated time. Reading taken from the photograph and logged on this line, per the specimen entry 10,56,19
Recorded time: 11,27,37
